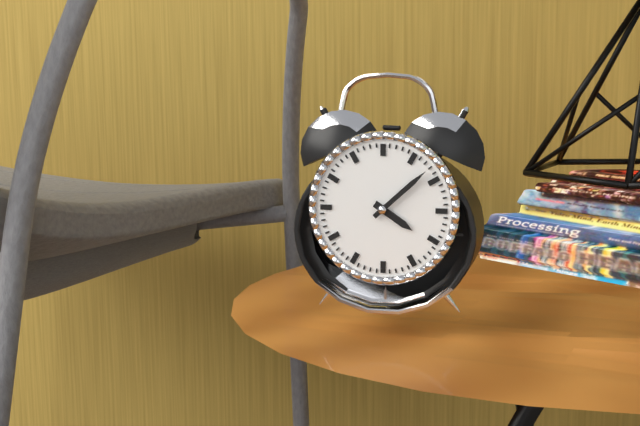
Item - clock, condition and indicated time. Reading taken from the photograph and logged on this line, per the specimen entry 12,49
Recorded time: 4,08
